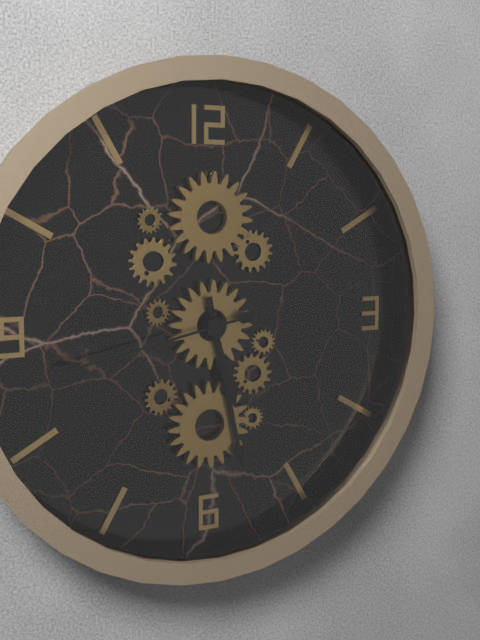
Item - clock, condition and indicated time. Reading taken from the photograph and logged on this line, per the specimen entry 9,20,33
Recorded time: 5,28,43
